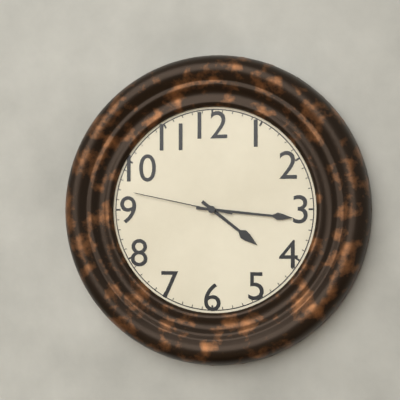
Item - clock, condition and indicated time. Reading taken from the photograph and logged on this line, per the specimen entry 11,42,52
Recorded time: 4,16,47
